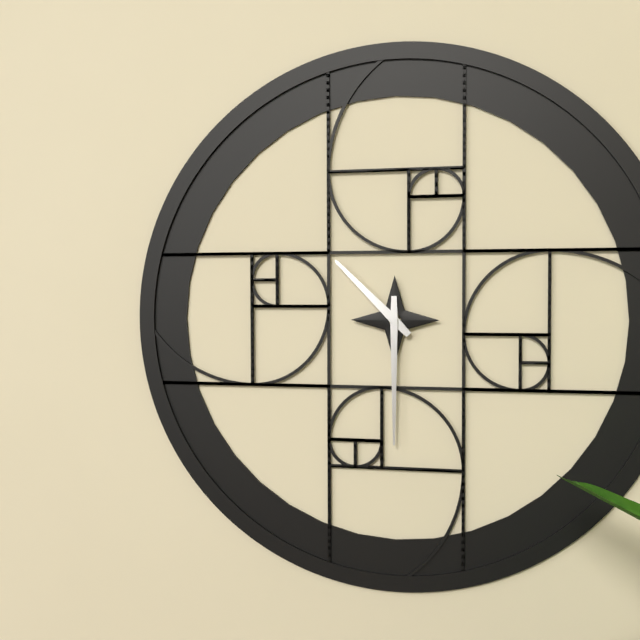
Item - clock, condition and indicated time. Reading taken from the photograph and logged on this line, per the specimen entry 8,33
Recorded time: 10,30
